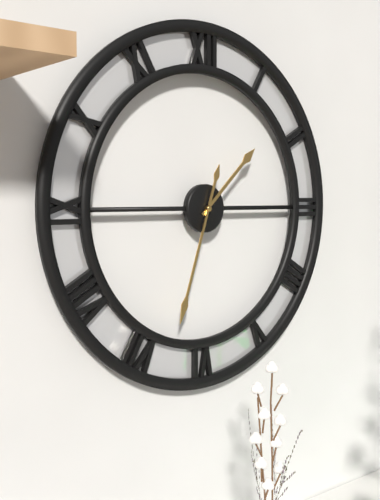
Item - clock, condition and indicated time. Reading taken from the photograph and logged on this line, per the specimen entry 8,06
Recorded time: 1,33
